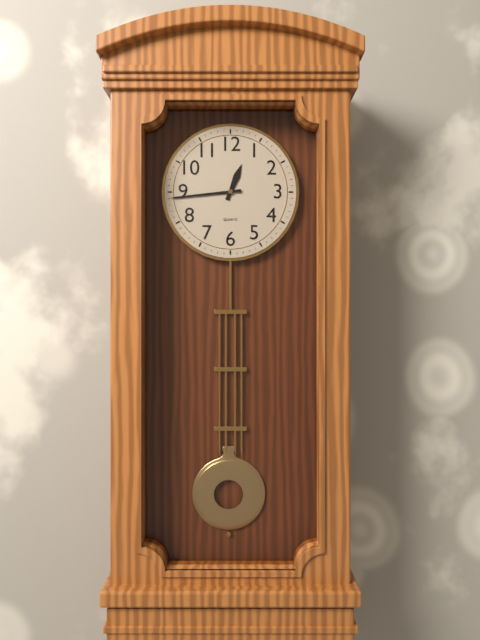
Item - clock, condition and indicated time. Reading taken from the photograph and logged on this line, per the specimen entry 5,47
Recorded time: 12,44
